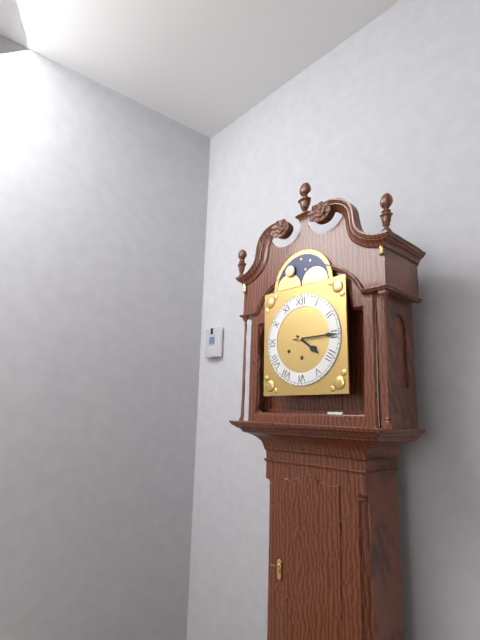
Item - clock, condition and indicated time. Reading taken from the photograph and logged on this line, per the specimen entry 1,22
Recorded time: 4,15
